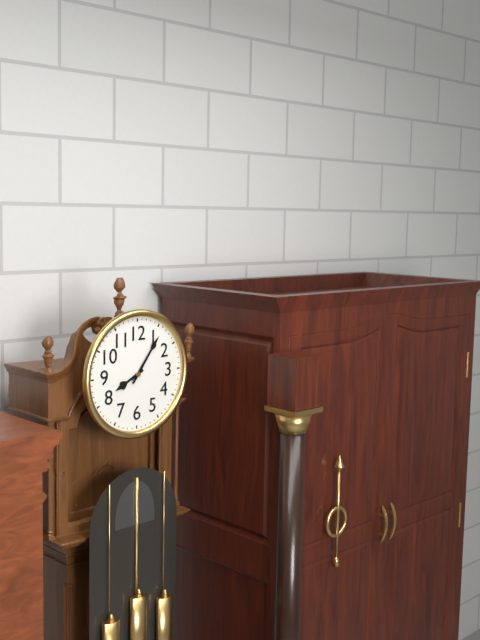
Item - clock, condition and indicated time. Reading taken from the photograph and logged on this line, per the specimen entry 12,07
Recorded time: 8,06
